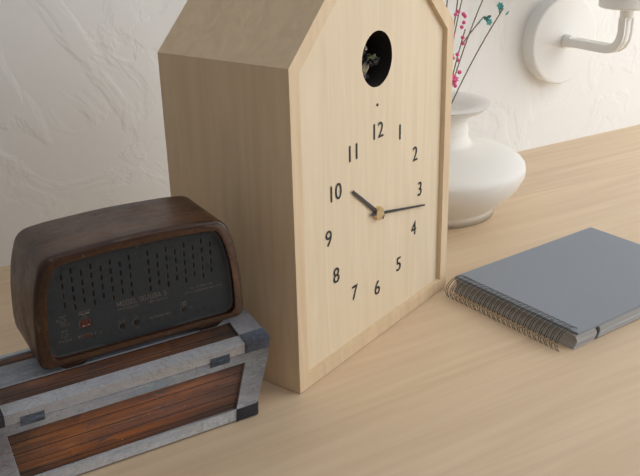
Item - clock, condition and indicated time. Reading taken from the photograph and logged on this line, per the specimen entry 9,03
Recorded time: 10,17
